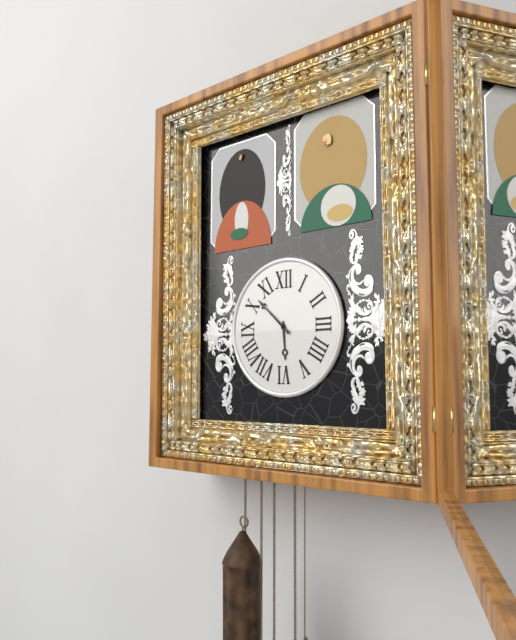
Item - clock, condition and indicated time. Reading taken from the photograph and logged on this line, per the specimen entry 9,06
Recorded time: 5,52
